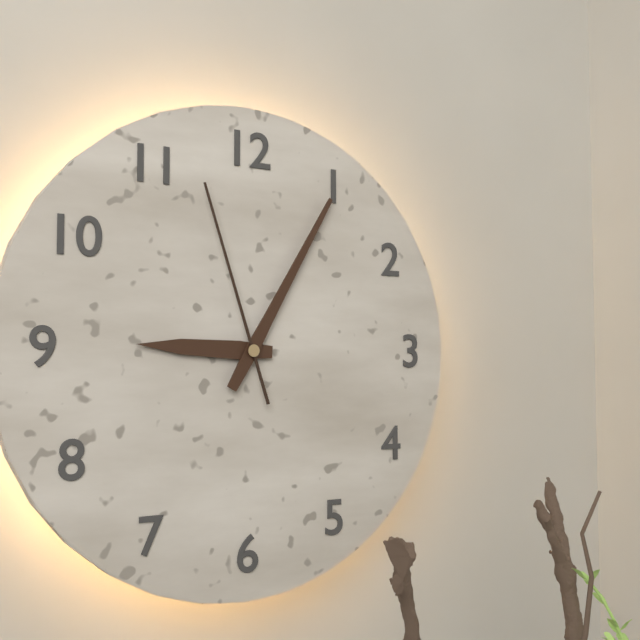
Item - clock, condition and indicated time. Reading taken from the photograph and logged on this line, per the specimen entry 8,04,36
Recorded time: 9,05,57
